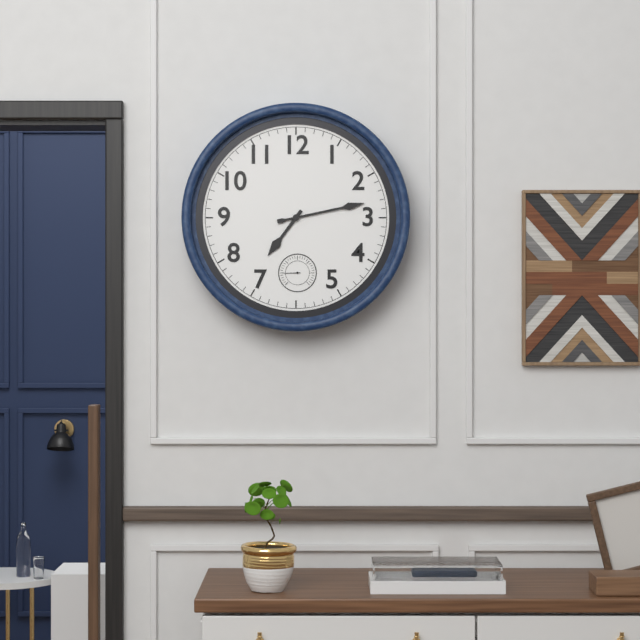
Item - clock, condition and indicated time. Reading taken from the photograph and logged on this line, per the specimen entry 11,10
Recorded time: 7,13
